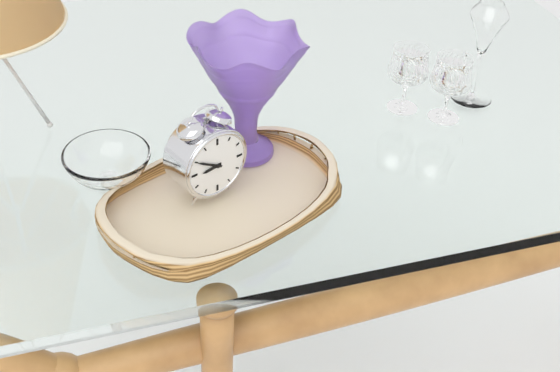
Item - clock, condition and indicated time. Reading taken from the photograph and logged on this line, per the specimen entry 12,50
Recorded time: 8,50
